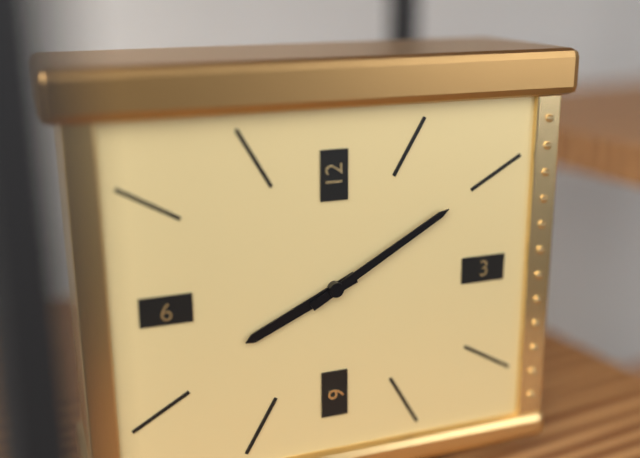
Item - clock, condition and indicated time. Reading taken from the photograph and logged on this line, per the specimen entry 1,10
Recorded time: 8,10
